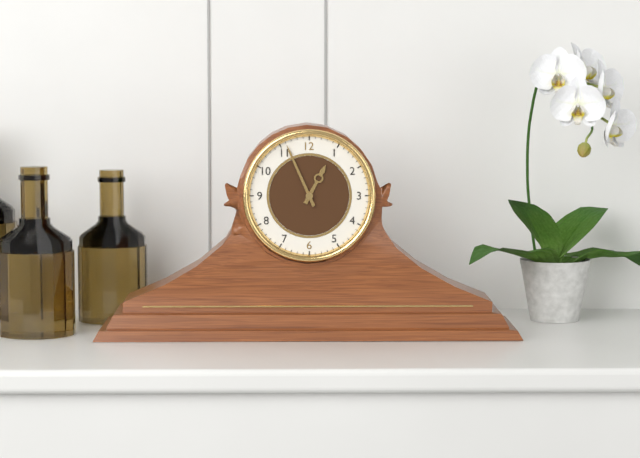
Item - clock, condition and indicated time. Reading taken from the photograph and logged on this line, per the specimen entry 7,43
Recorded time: 12,56
